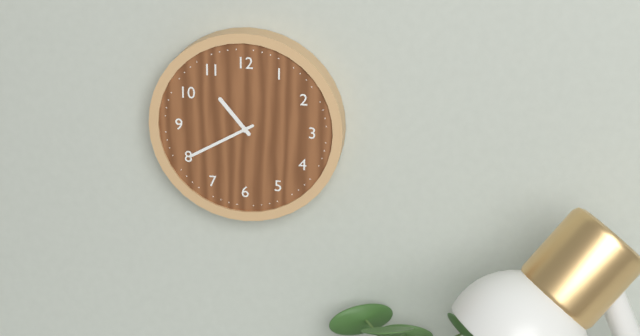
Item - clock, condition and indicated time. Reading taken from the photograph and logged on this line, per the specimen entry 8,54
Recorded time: 10,40
